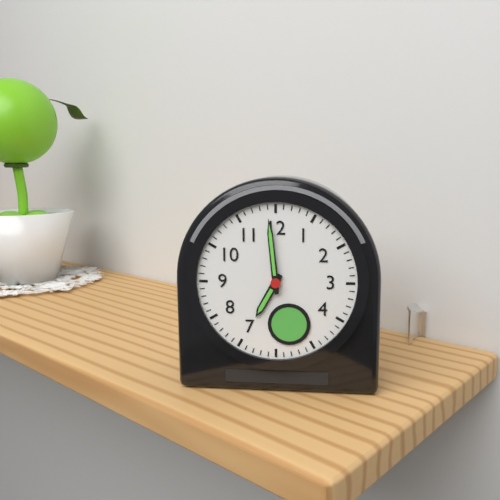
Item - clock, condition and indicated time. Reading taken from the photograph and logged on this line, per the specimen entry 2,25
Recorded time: 6,59
